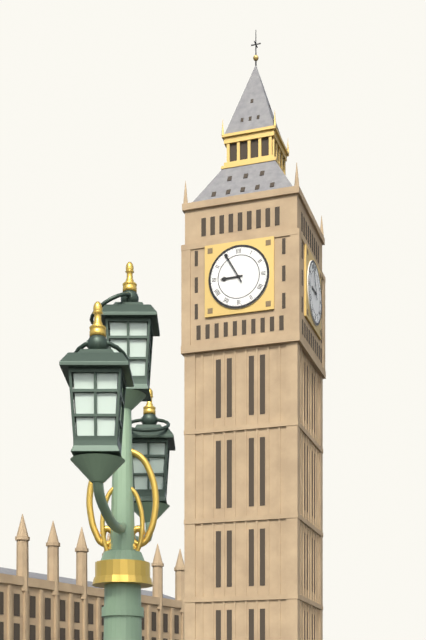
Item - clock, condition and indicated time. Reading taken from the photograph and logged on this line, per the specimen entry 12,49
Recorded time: 8,55
